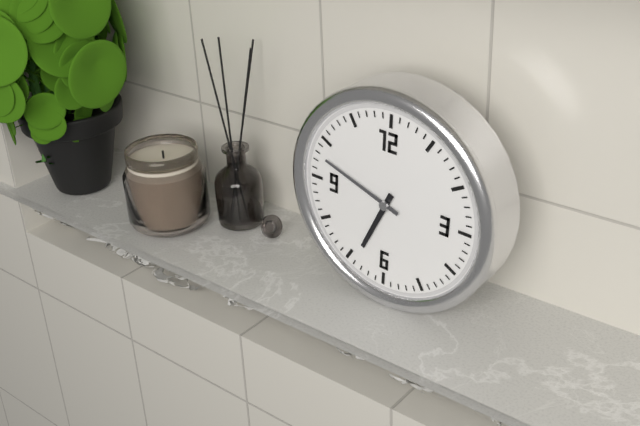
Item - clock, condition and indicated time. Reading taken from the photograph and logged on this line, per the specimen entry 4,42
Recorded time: 6,48
